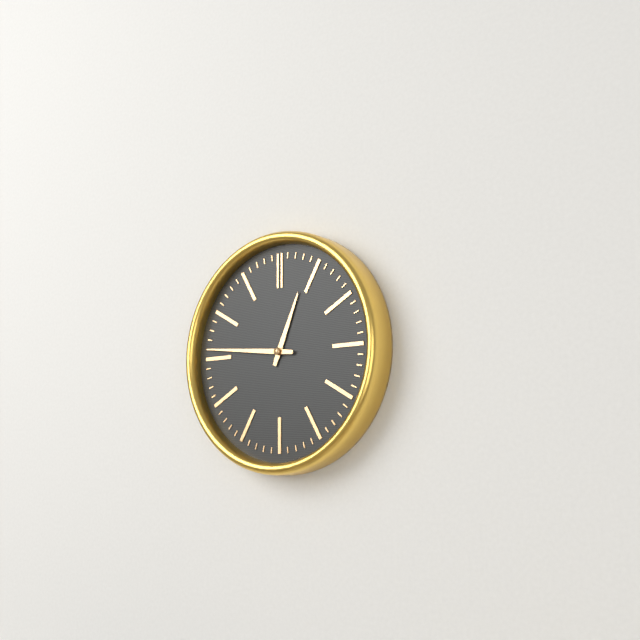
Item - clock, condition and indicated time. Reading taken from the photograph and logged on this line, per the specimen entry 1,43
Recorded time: 12,46
